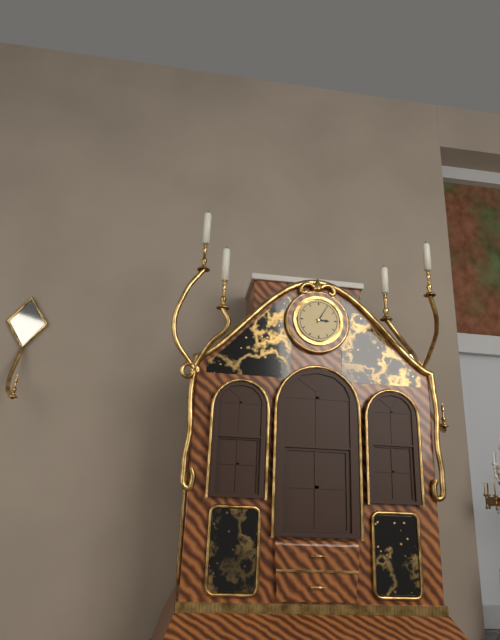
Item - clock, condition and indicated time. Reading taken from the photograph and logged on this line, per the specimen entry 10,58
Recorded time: 3,05
